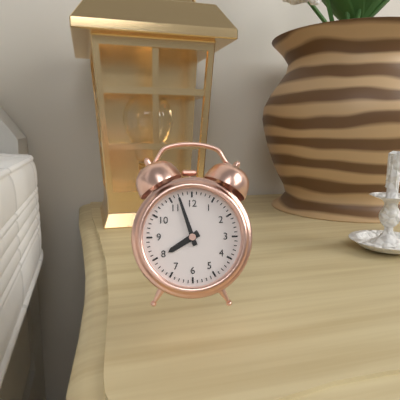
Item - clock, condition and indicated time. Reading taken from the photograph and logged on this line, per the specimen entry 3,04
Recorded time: 7,57
